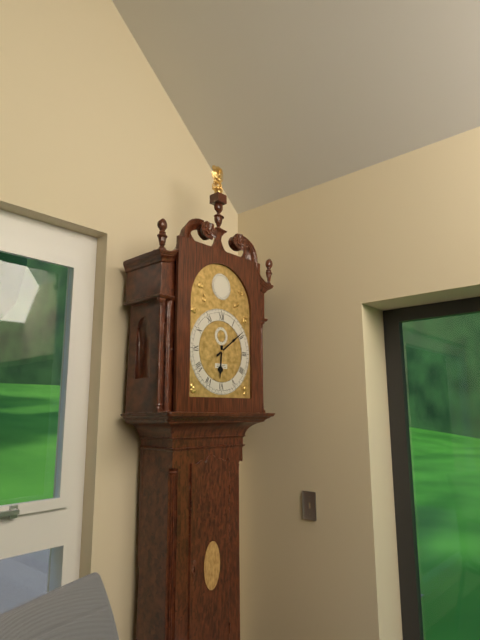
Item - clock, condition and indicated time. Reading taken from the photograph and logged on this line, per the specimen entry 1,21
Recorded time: 6,09
